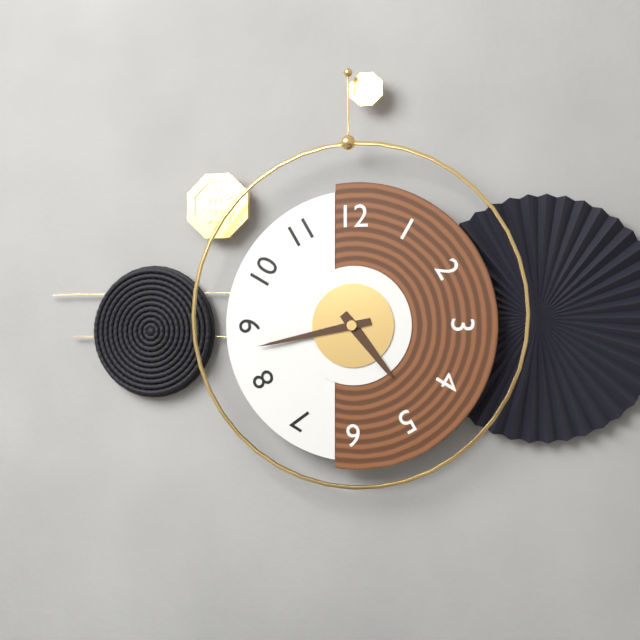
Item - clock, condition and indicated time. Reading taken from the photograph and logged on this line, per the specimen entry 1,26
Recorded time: 4,43
